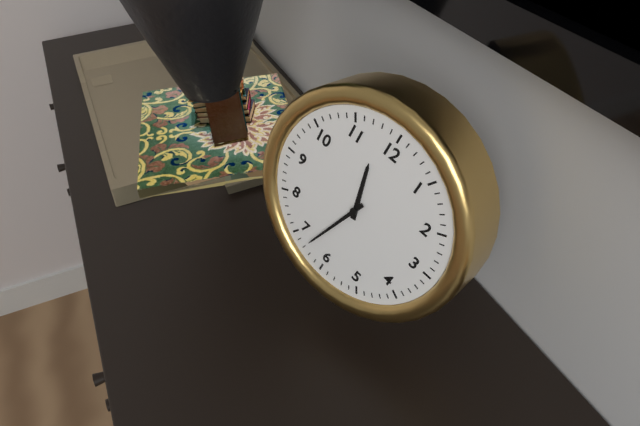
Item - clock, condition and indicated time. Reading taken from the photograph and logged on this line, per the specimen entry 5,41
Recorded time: 11,33
